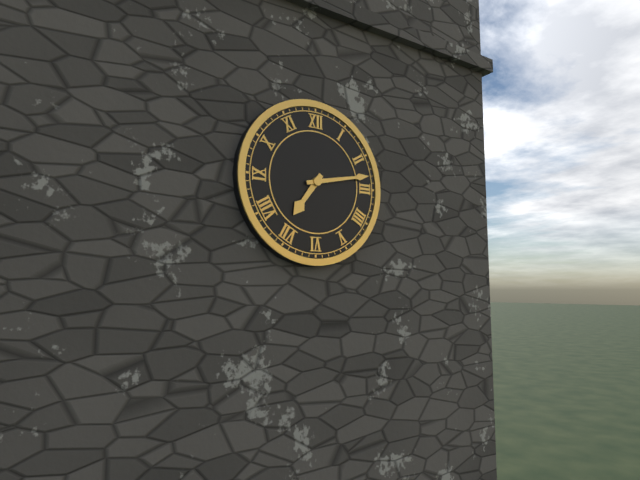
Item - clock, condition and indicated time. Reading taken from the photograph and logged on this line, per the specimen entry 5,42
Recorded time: 7,13
